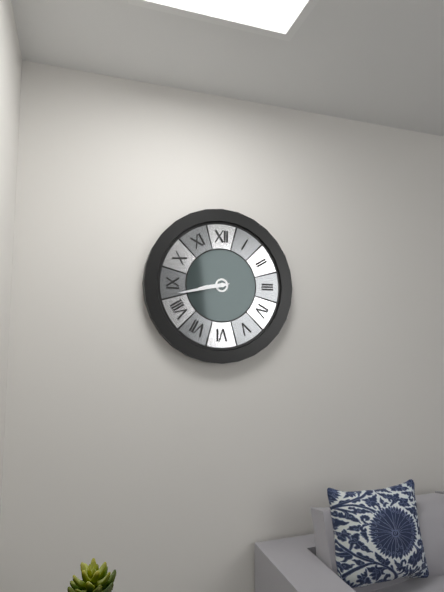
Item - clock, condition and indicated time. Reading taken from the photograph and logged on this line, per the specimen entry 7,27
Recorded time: 8,43
